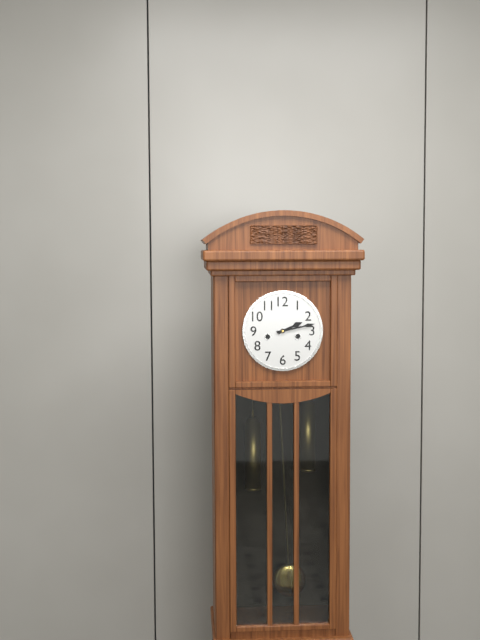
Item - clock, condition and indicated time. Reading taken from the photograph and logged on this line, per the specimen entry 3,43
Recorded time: 2,13
